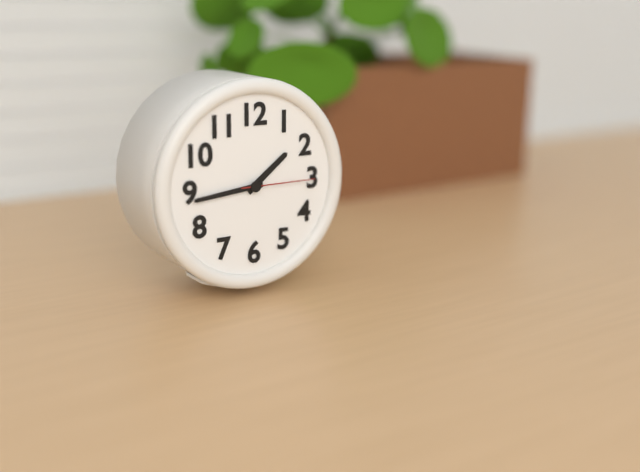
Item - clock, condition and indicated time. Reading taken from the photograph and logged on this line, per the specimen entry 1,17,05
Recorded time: 1,44,15
